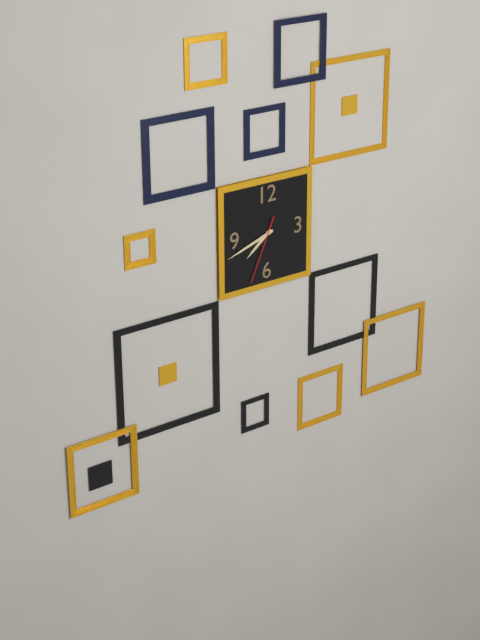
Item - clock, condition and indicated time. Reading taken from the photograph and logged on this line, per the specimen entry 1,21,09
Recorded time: 7,42,34
